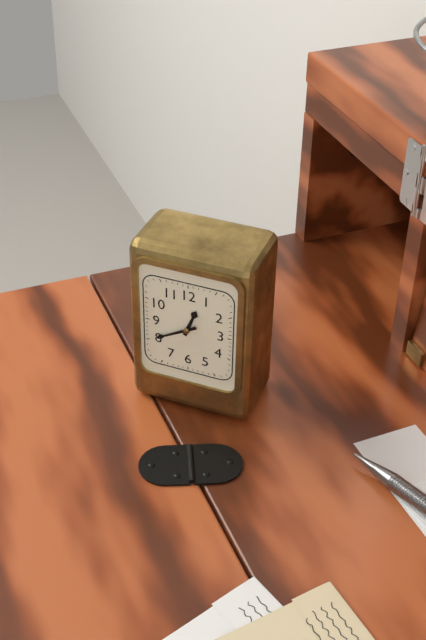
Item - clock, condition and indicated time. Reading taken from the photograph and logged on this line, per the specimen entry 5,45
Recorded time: 12,40
